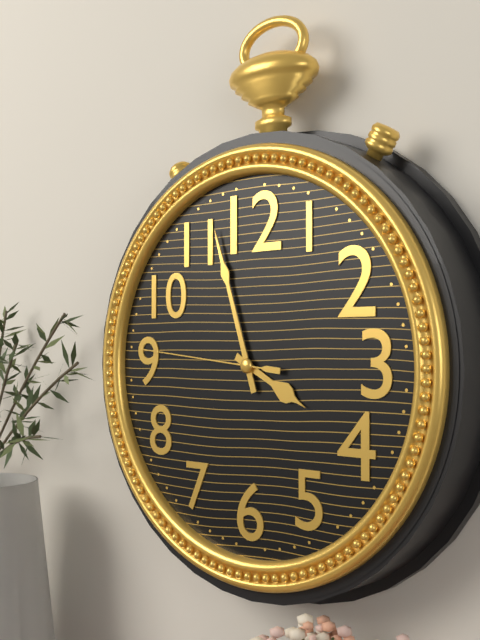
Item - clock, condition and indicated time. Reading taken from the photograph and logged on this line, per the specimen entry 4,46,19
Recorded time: 3,57,46
